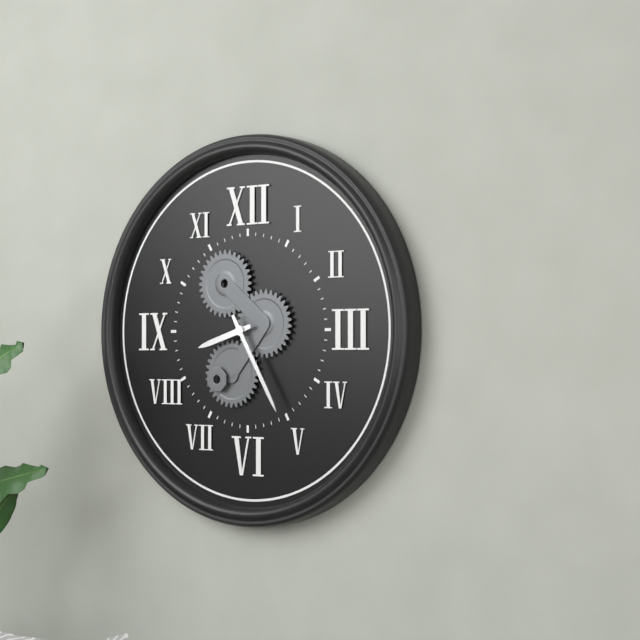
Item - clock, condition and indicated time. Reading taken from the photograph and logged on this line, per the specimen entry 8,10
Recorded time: 8,25
